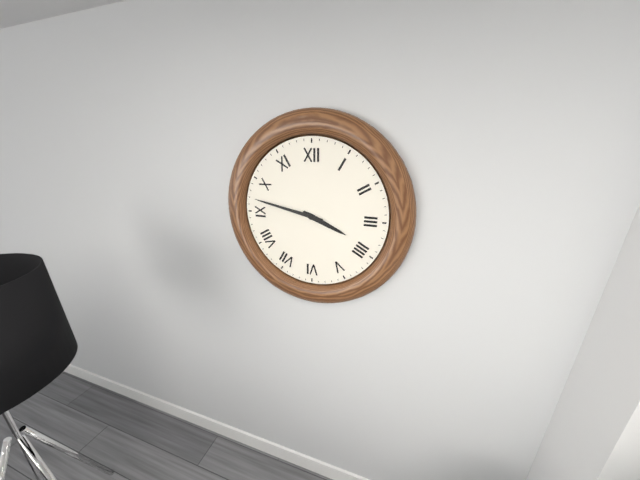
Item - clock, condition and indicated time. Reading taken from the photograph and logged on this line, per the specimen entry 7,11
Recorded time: 3,47
